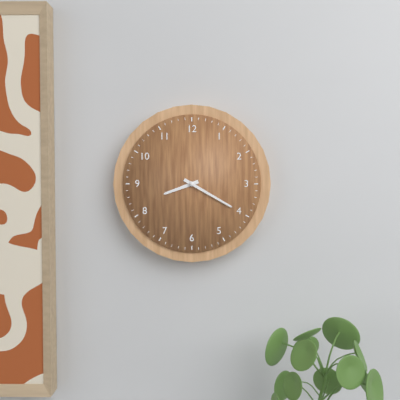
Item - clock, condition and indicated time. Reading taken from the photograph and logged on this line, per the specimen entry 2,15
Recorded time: 8,20
